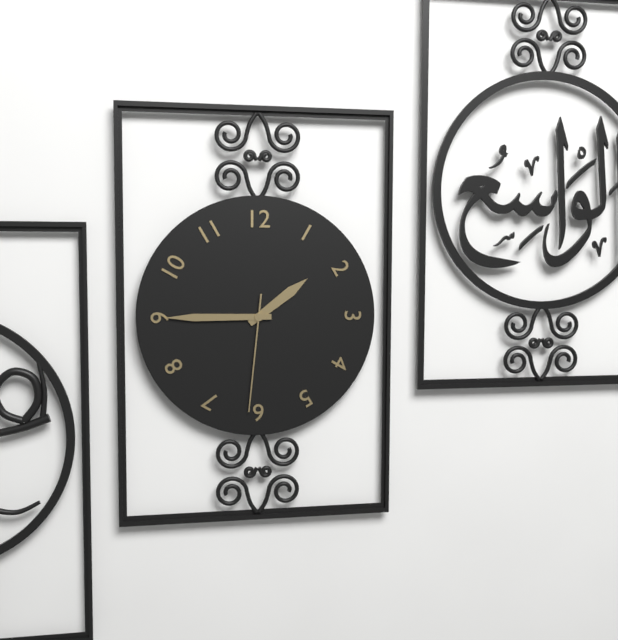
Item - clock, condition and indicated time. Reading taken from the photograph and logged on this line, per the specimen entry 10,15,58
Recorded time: 1,45,31
